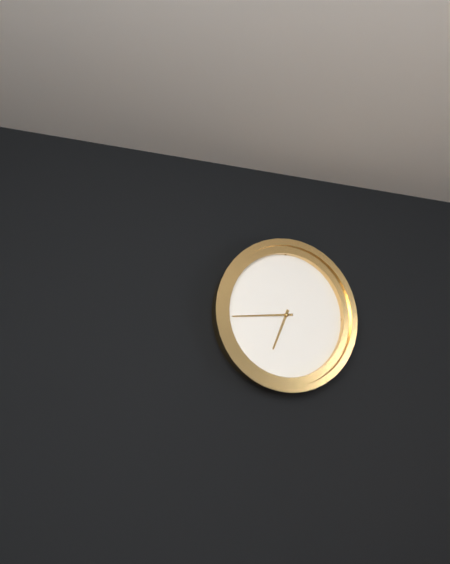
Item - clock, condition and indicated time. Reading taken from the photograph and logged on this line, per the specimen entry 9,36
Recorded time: 6,44
